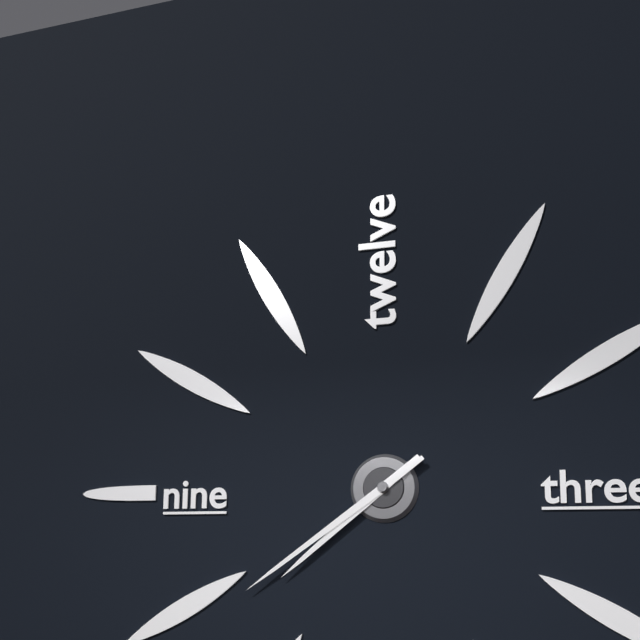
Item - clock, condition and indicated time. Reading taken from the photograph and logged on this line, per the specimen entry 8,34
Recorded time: 7,39
